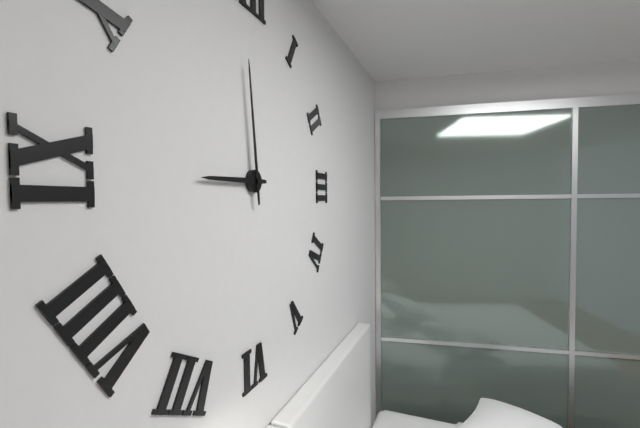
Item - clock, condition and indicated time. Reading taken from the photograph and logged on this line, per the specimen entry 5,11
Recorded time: 8,59
